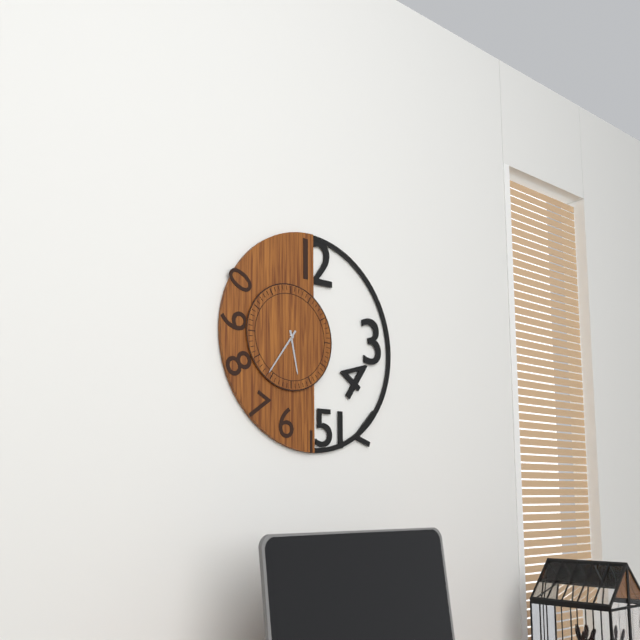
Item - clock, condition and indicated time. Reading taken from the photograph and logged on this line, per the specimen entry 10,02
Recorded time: 5,36
